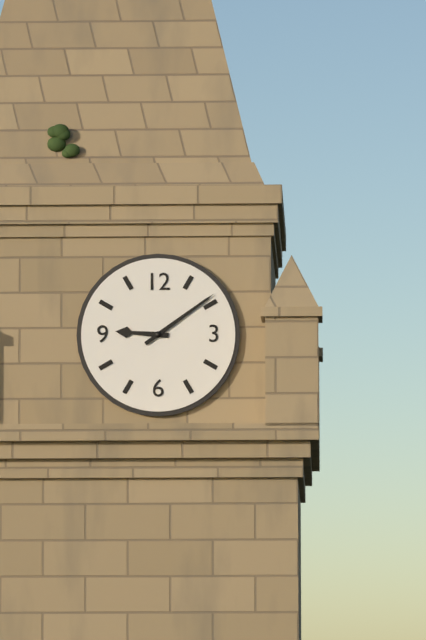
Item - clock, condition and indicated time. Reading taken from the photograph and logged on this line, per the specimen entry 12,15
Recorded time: 9,09
